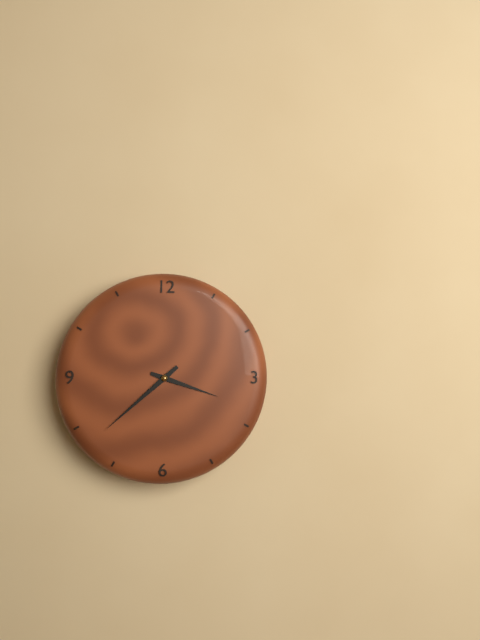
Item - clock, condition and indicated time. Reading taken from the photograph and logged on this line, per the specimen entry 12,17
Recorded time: 3,38
